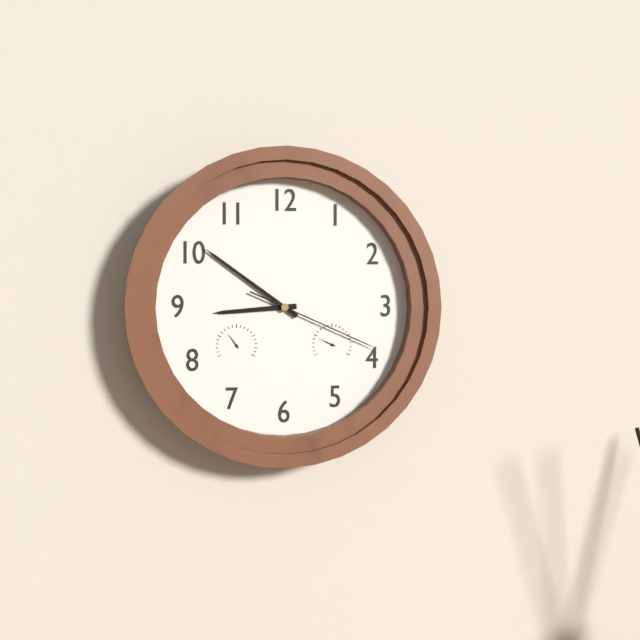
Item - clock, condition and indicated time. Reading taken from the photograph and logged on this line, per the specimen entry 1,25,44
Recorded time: 8,51,19
